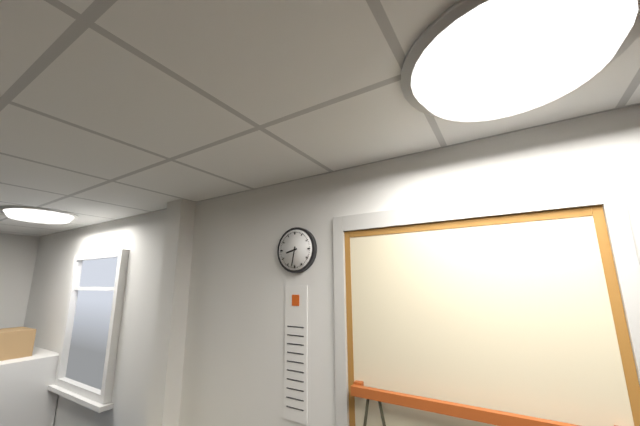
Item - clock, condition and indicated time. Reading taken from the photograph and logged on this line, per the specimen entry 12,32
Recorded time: 8,32
